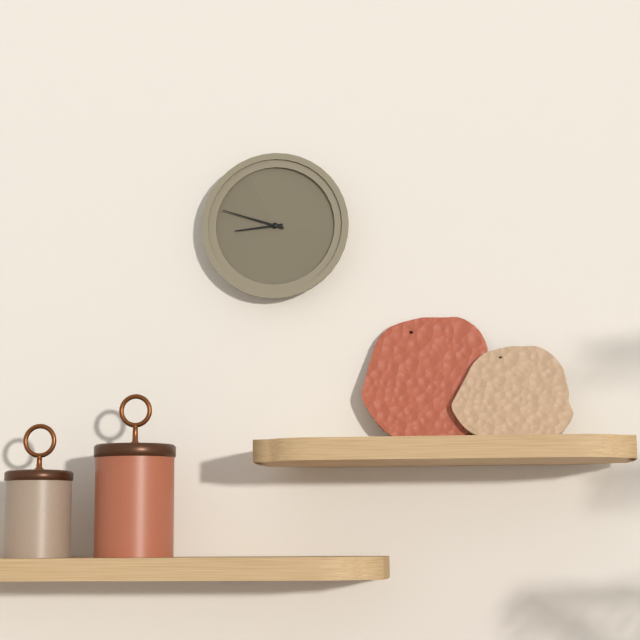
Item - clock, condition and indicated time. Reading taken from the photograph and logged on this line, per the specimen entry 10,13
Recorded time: 8,48
